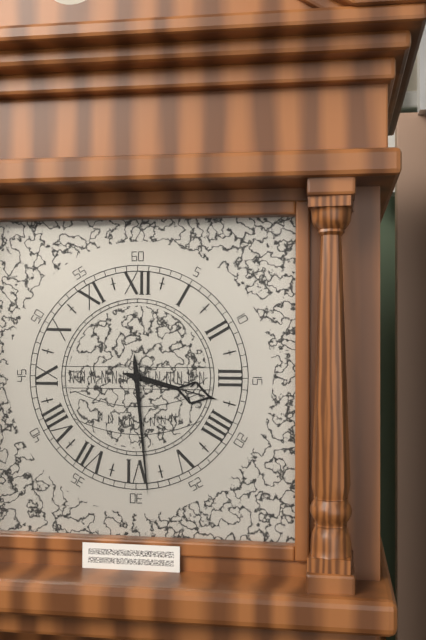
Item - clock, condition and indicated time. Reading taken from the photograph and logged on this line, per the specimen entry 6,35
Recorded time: 3,29
